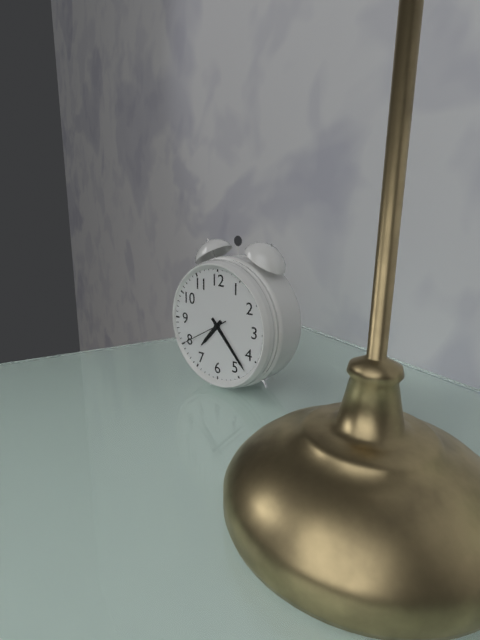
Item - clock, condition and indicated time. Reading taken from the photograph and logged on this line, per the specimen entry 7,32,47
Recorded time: 7,23,40
